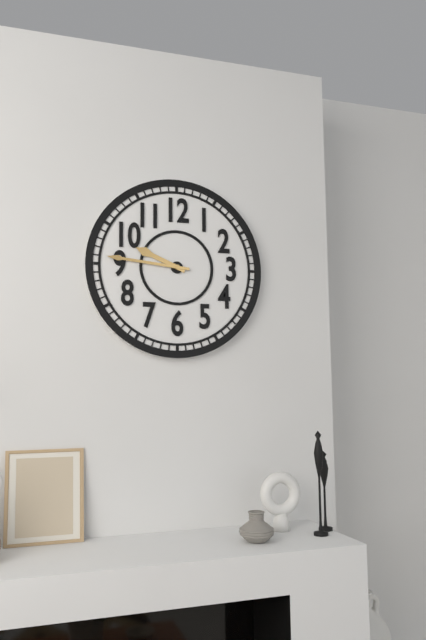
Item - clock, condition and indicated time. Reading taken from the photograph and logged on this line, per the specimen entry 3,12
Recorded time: 9,46
